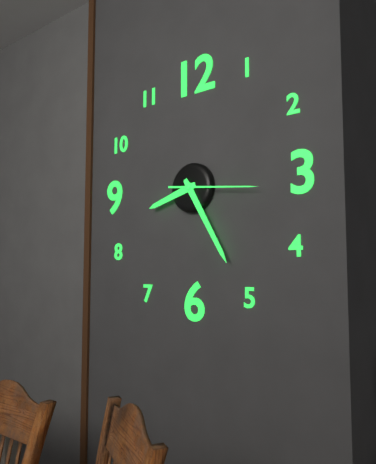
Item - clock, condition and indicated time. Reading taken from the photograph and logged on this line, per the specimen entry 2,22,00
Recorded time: 8,25,16
